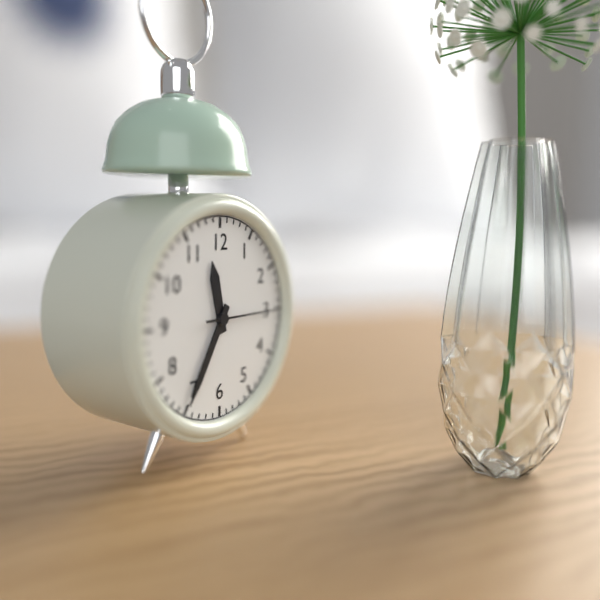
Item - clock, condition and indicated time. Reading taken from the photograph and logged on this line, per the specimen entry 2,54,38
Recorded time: 11,35,15
